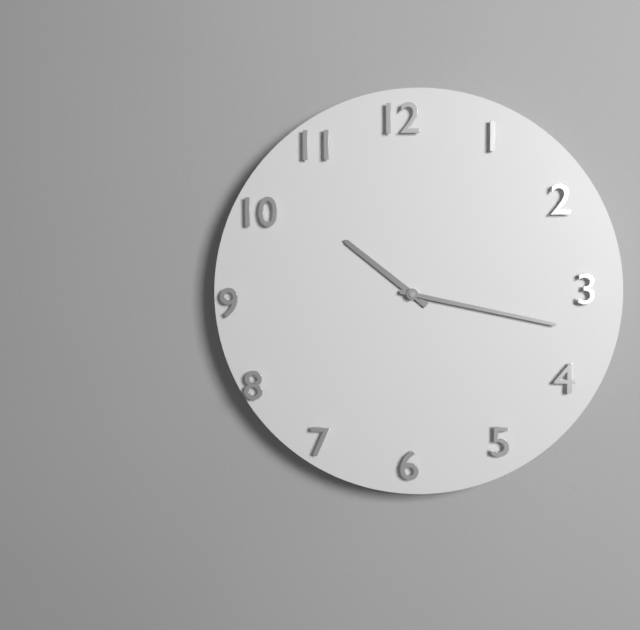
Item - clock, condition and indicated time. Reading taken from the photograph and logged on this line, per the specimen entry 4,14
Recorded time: 10,17
